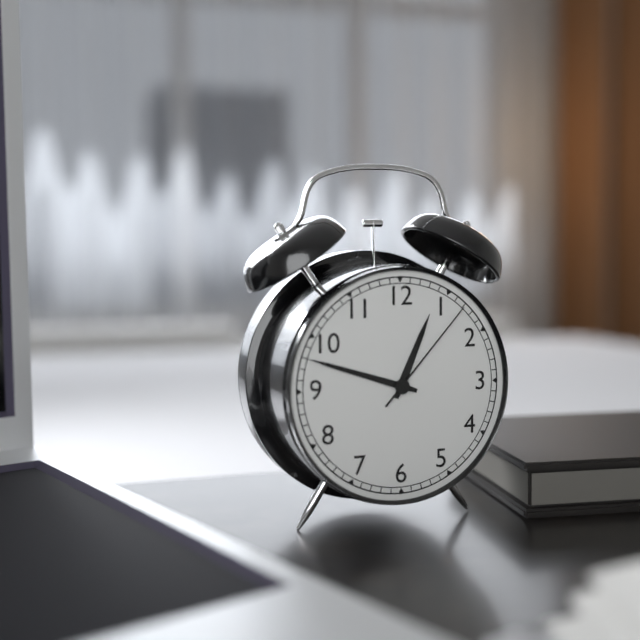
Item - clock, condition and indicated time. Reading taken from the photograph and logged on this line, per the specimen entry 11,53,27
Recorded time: 12,48,07
